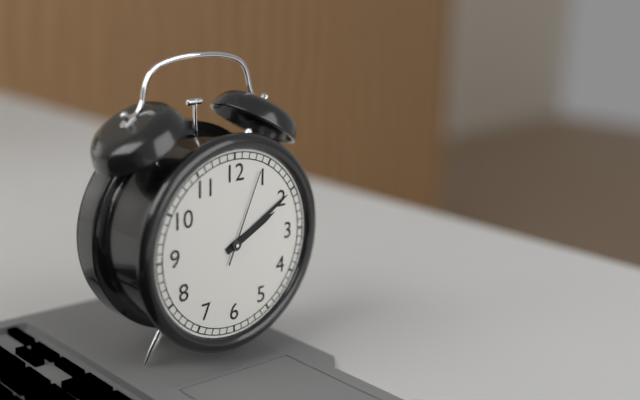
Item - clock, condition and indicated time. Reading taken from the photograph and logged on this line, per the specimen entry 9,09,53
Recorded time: 2,10,04
